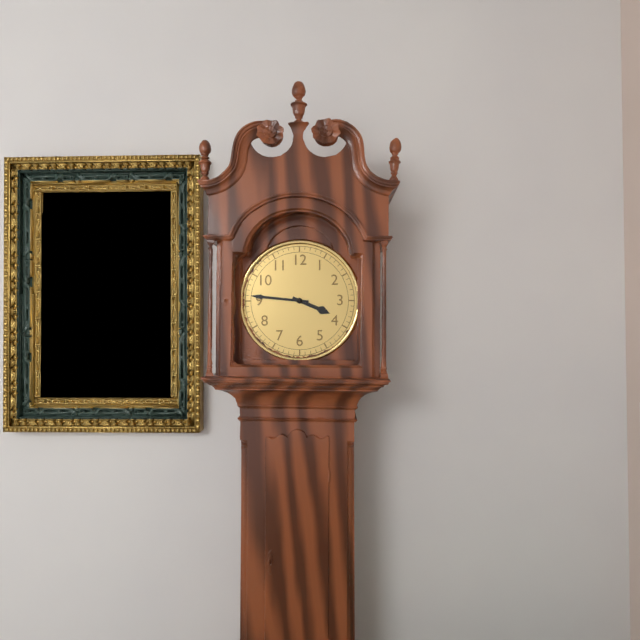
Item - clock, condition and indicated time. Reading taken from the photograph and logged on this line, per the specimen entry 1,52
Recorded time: 3,46
